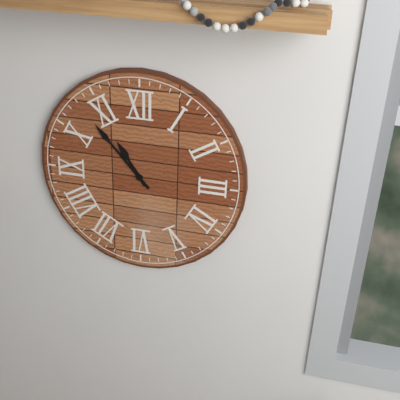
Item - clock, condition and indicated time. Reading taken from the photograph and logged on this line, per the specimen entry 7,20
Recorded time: 10,53
